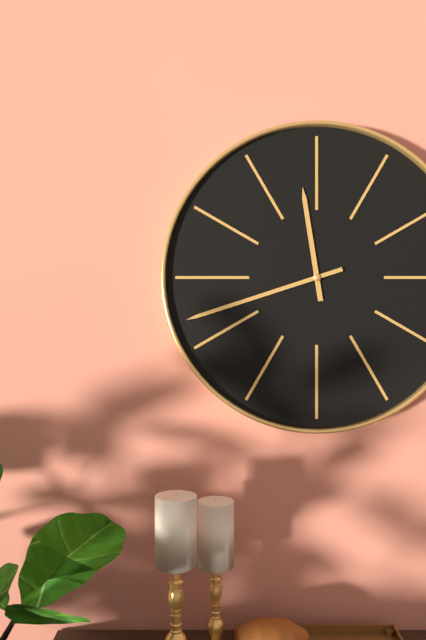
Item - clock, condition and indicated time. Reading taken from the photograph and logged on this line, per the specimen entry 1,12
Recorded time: 11,42
